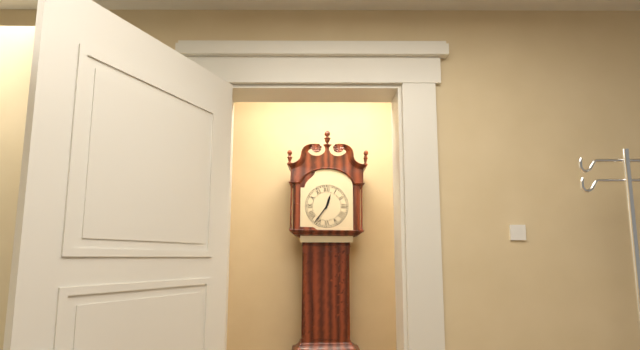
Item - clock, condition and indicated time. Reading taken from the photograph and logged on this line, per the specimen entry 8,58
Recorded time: 12,36
